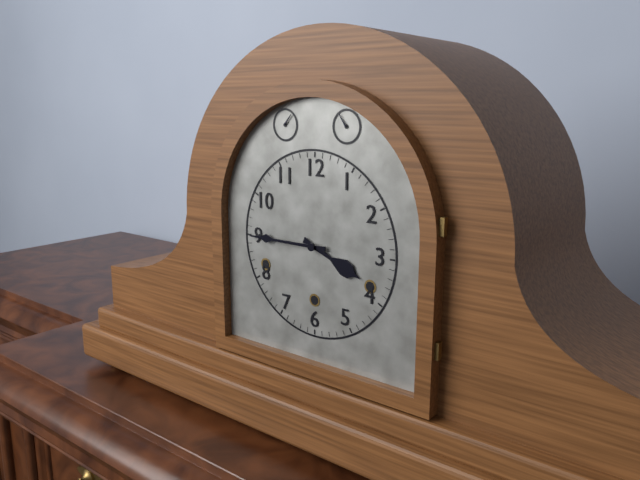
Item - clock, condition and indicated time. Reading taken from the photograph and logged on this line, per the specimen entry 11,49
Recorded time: 3,45
